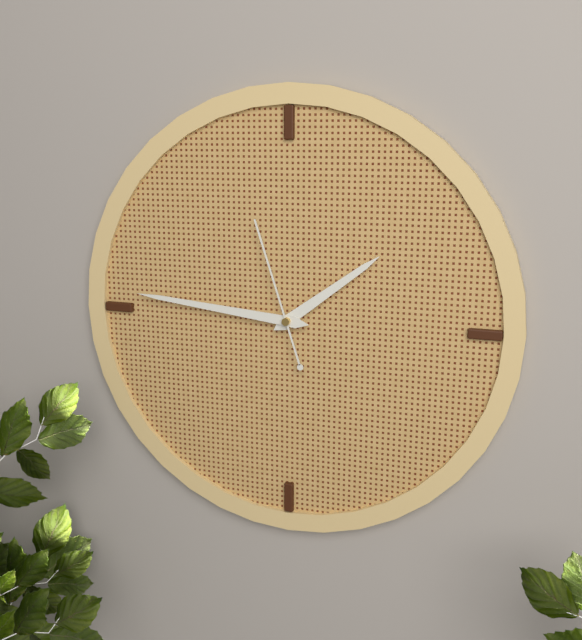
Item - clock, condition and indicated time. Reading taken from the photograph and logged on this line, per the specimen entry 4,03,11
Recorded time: 1,46,57
